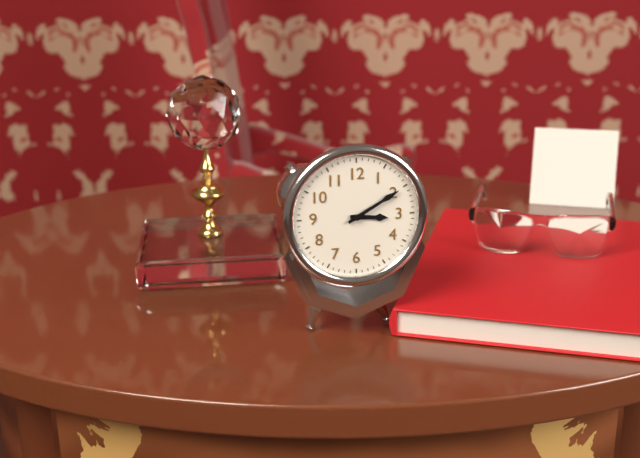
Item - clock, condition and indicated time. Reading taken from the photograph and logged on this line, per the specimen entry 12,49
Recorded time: 3,10
